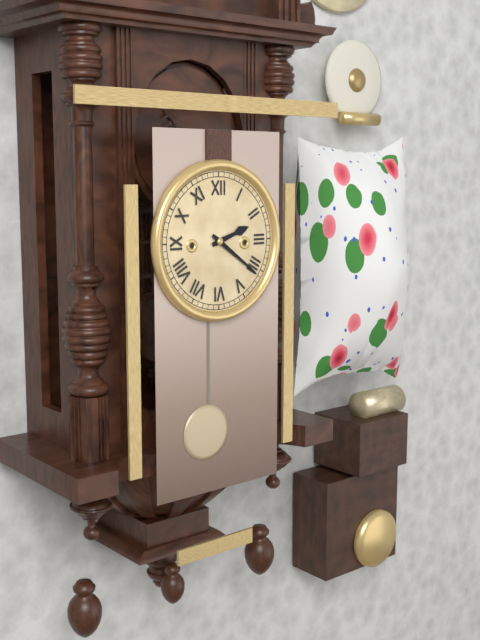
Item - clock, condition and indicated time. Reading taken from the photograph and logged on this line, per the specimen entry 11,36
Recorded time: 2,21
